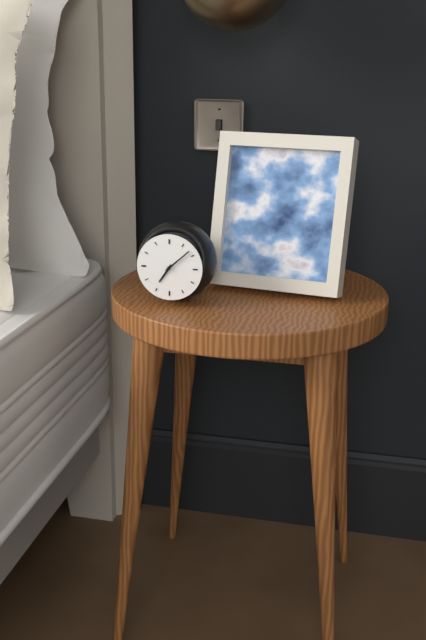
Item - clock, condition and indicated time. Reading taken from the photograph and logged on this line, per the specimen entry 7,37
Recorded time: 7,08
